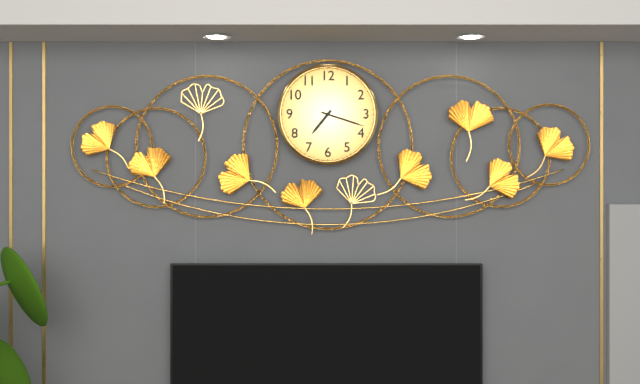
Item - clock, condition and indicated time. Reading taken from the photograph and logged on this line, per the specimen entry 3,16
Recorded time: 7,18
